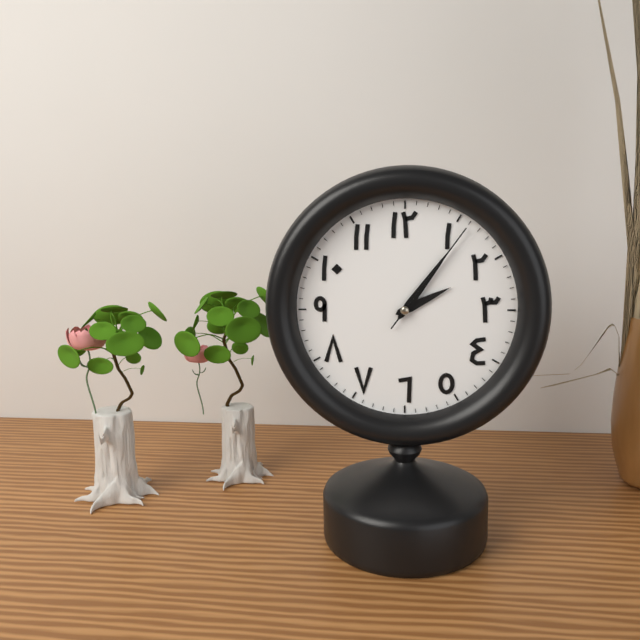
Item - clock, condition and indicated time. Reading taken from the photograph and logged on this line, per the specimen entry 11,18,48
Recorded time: 2,06,06
